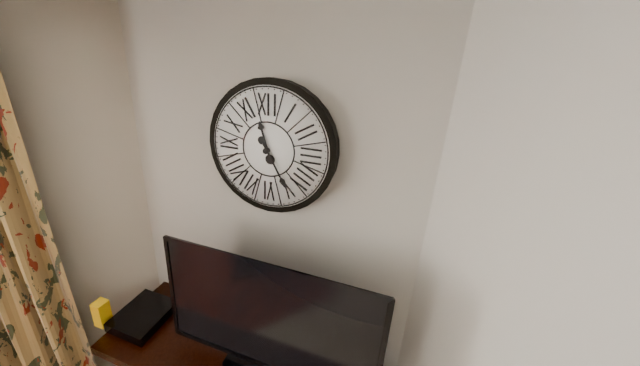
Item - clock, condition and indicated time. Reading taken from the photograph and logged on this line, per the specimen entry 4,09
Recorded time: 11,25
